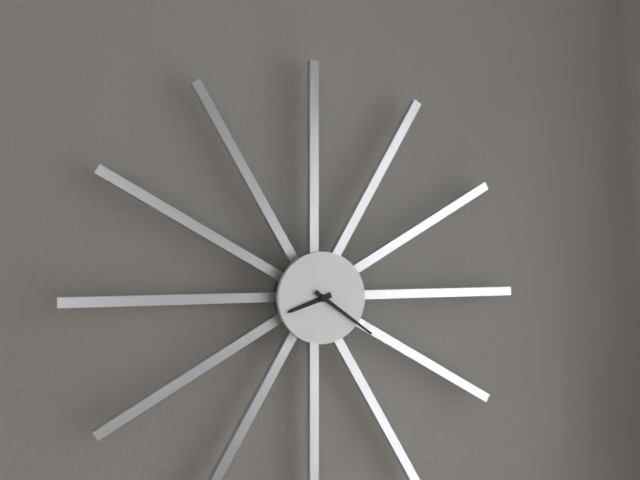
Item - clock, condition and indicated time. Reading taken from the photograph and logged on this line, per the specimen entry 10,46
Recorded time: 8,21
